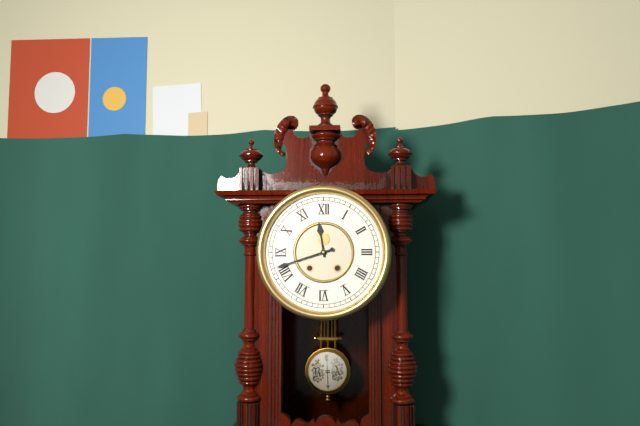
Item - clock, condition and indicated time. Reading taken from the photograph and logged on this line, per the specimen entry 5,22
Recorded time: 11,42
